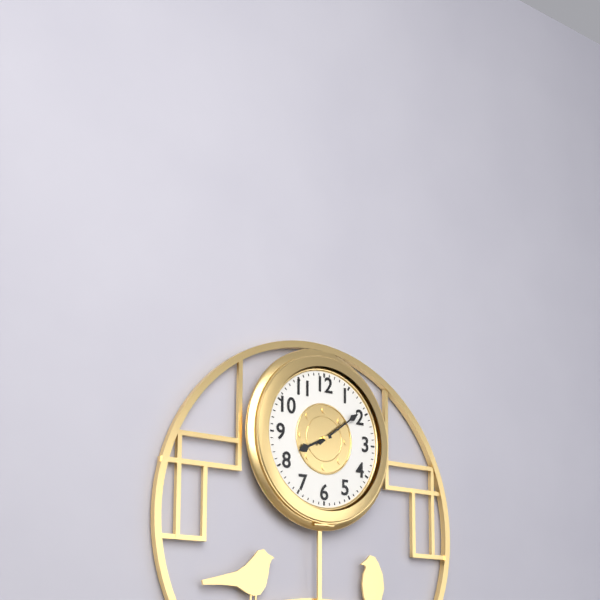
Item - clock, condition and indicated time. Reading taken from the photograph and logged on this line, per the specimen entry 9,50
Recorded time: 8,09
